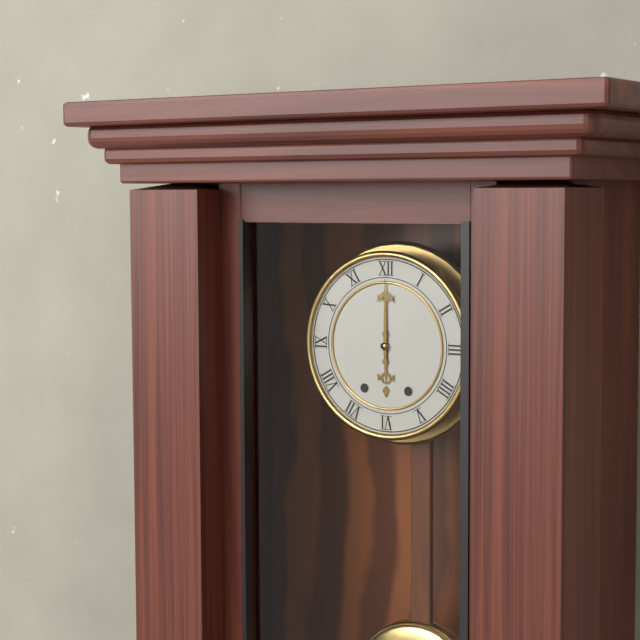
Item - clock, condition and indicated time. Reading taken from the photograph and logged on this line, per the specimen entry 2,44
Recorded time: 6,00
